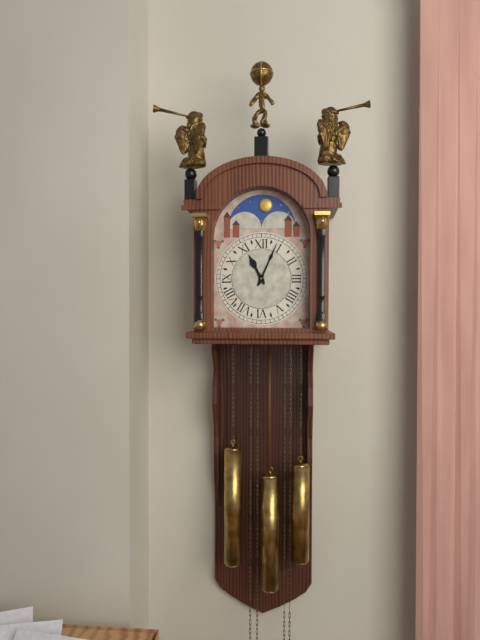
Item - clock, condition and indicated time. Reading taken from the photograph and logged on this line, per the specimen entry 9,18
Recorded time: 11,04
